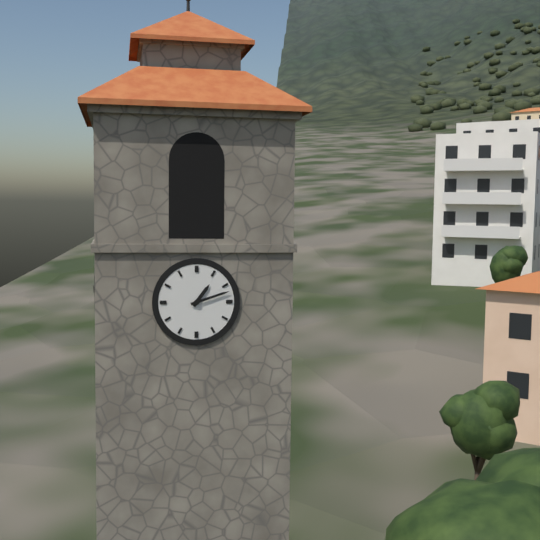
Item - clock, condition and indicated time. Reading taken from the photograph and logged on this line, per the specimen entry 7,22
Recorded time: 1,12
